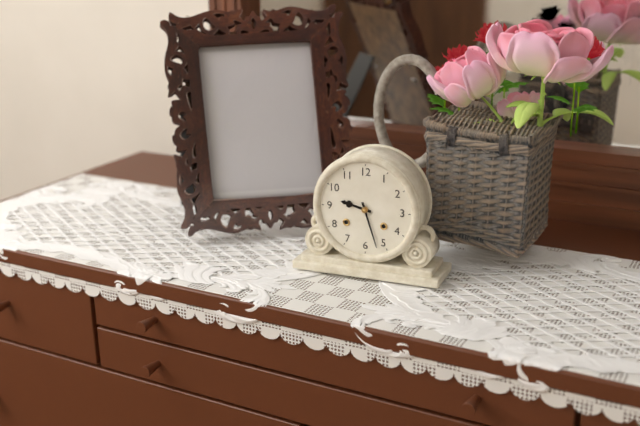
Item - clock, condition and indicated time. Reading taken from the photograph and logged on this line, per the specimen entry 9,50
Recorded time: 9,27
